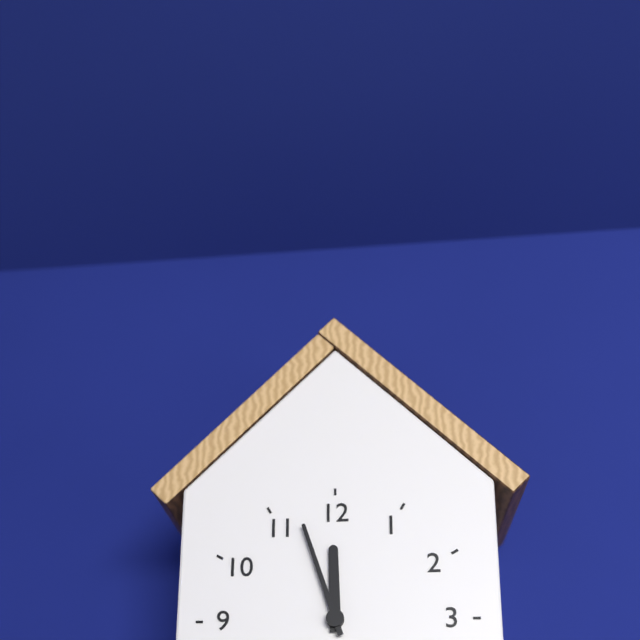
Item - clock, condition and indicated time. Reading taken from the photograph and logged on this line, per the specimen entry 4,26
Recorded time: 11,57
